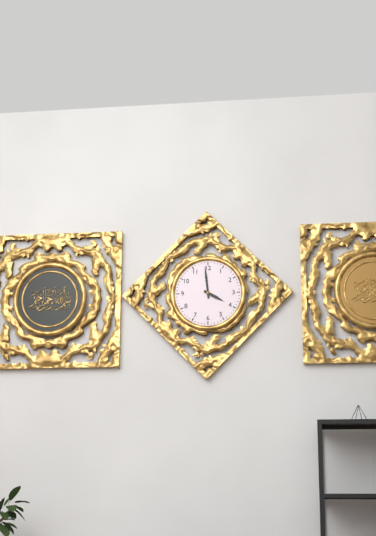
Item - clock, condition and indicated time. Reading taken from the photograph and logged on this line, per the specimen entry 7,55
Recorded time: 3,59
